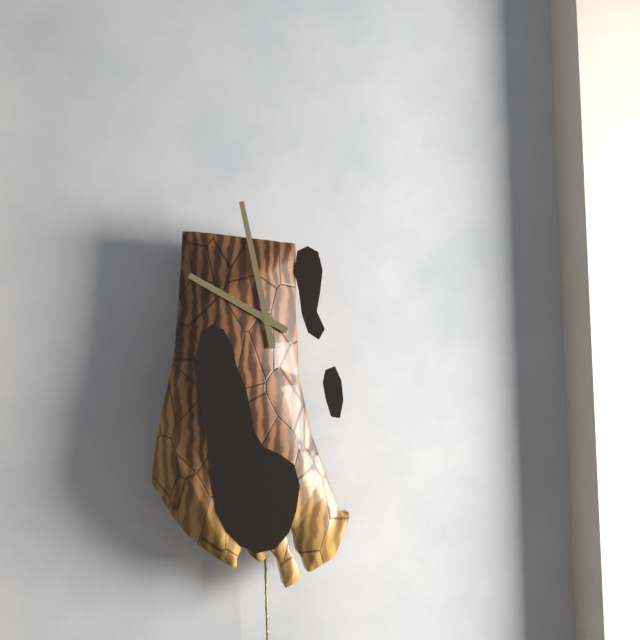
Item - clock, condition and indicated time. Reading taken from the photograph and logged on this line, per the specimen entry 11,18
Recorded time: 9,58
